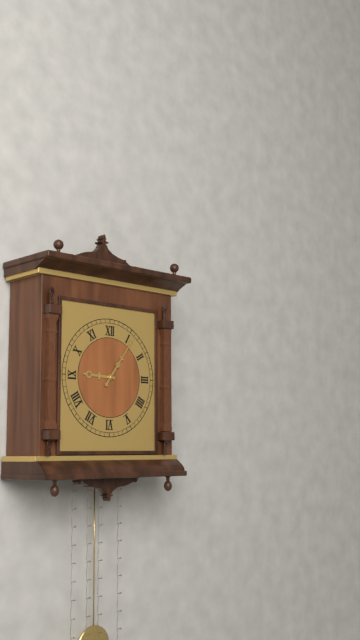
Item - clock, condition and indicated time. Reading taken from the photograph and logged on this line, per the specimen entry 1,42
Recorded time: 9,06
